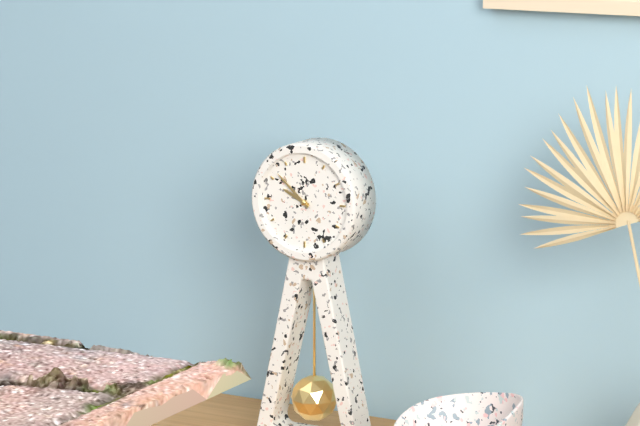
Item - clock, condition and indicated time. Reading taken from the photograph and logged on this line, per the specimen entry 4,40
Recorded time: 9,52
